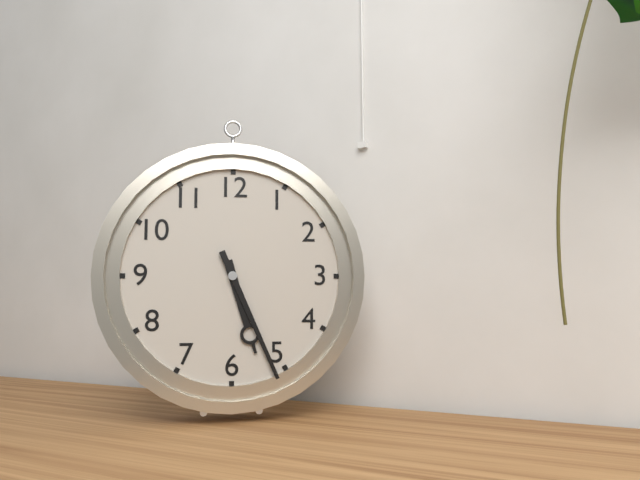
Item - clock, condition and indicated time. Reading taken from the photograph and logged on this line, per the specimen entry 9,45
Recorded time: 5,26
